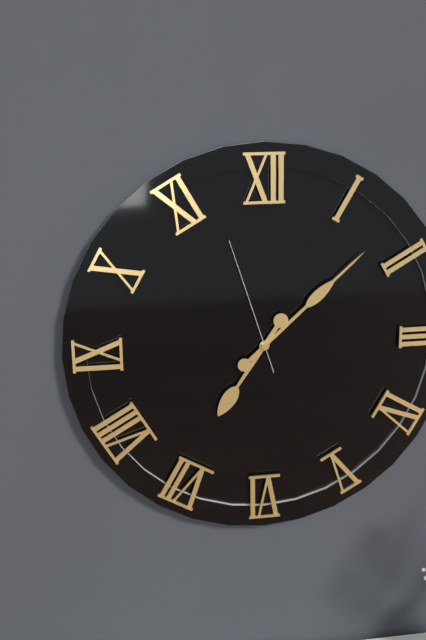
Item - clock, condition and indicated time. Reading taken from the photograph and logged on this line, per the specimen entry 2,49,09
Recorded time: 7,08,57
